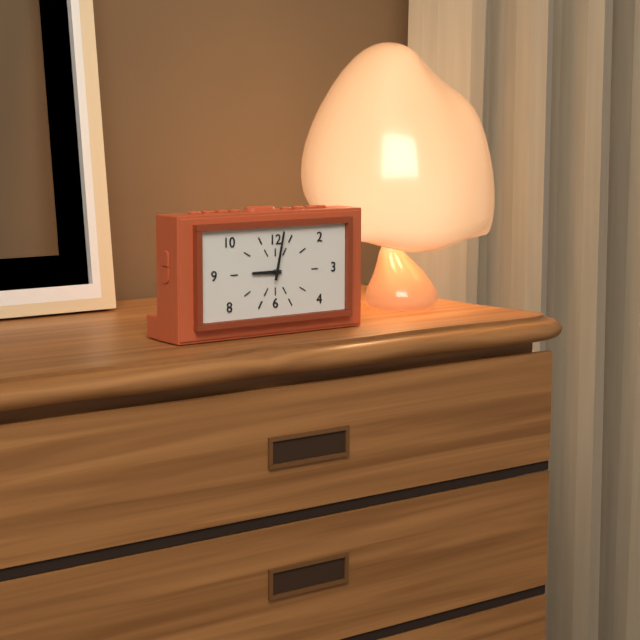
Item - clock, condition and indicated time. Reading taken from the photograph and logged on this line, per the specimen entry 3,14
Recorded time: 9,02
